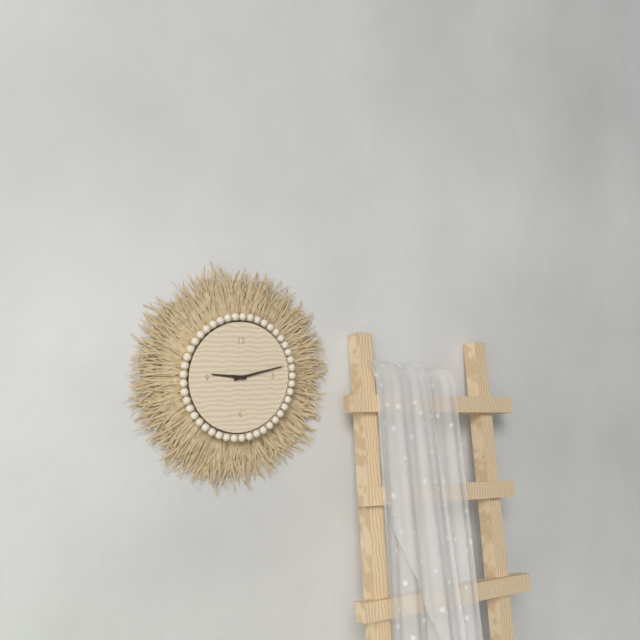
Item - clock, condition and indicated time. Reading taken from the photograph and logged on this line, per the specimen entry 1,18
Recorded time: 9,13
